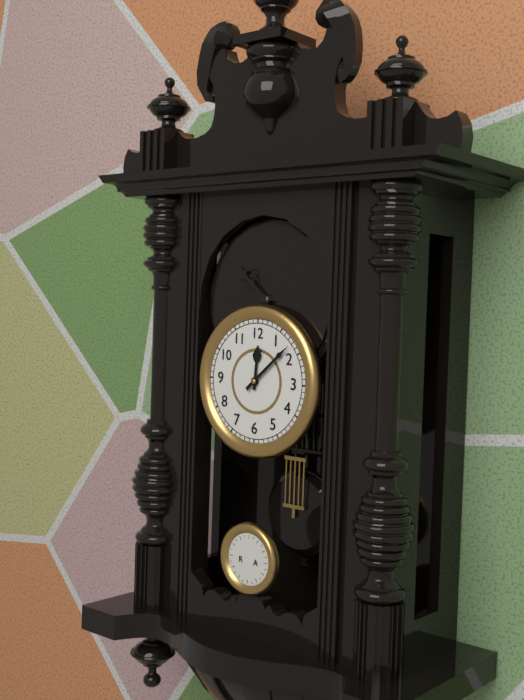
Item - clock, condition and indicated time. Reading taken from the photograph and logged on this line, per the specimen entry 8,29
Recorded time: 12,08
